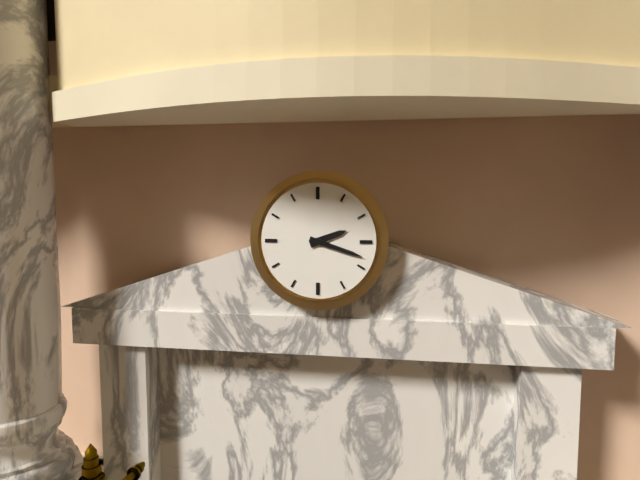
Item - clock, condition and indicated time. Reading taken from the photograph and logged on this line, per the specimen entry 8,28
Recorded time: 2,18
